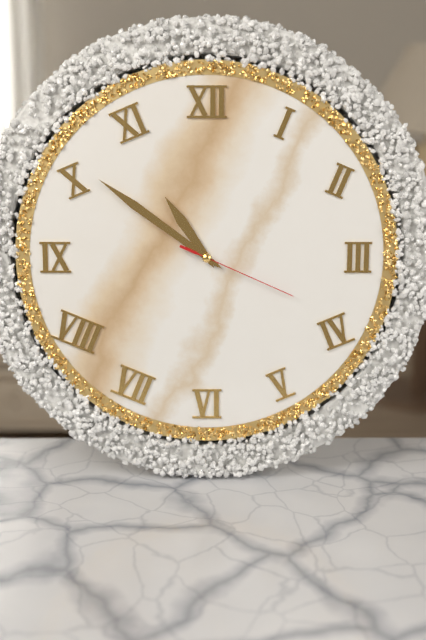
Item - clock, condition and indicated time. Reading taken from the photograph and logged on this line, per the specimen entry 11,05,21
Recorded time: 10,51,19
